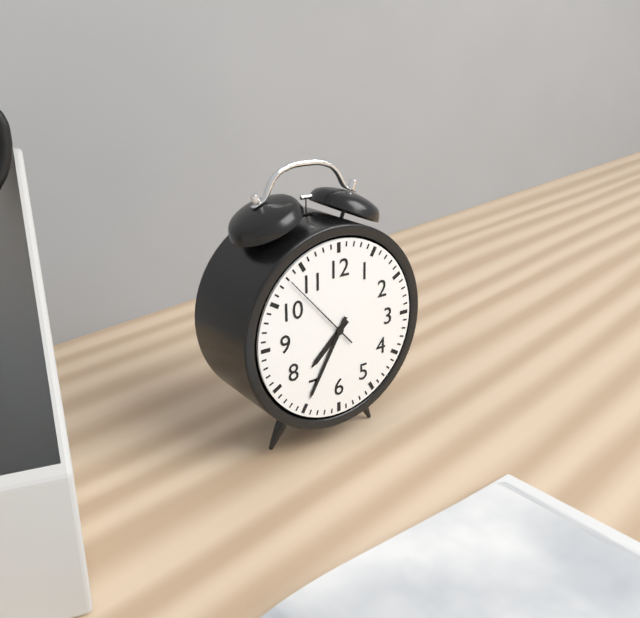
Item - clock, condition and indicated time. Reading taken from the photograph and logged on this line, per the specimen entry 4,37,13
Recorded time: 7,35,53
